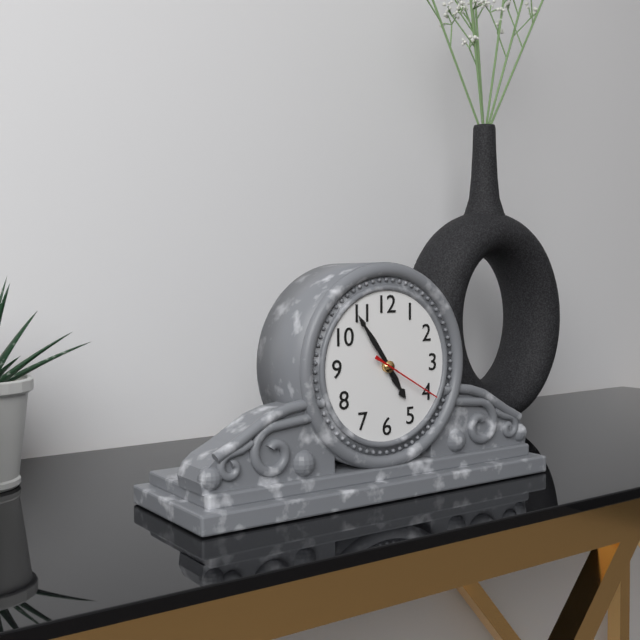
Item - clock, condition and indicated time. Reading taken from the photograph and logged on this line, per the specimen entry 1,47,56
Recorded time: 4,54,20
